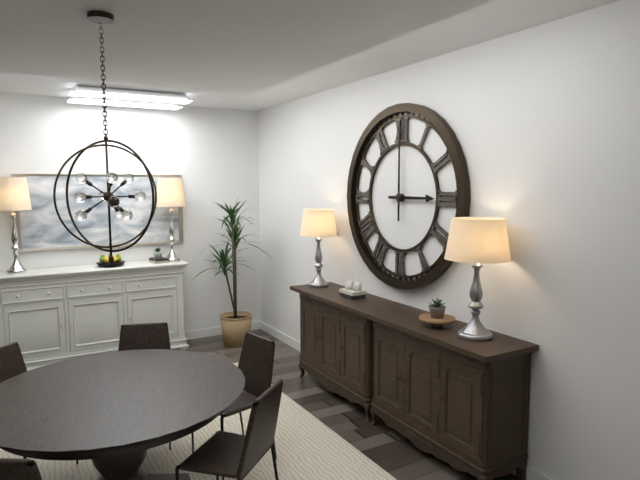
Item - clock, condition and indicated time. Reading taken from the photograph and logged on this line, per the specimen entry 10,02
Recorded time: 3,00
